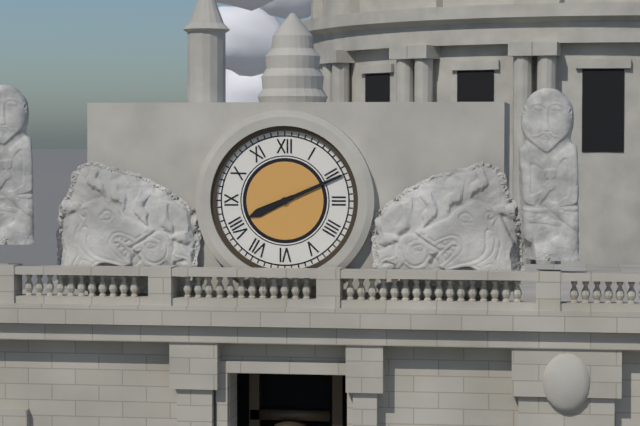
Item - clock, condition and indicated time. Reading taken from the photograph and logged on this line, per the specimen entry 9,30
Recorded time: 8,11
